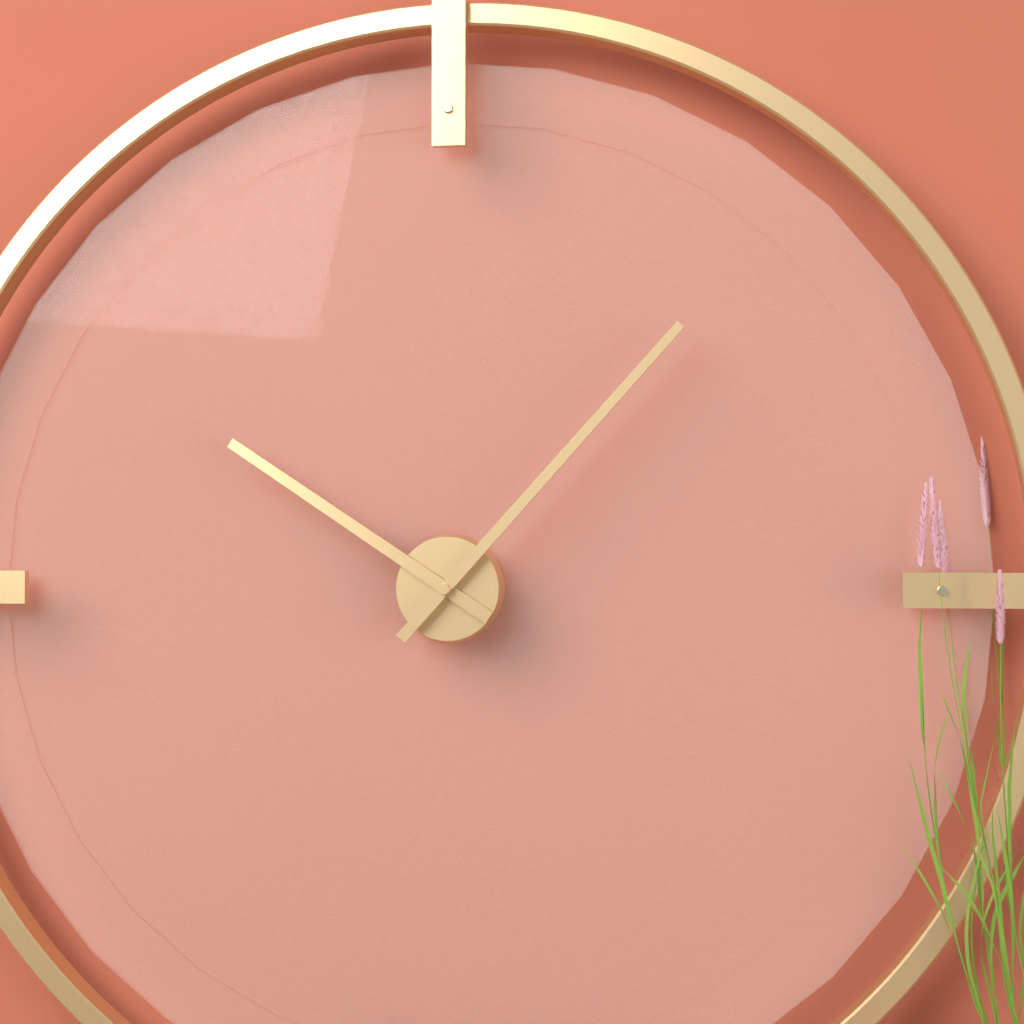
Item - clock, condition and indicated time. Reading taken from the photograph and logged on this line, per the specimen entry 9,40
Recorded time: 10,07
